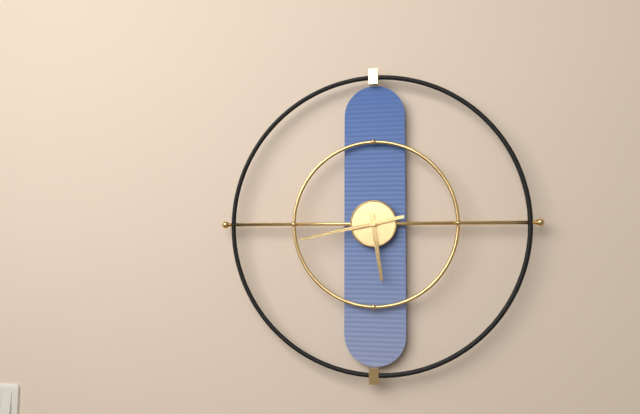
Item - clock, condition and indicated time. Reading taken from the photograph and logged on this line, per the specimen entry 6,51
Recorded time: 5,43
